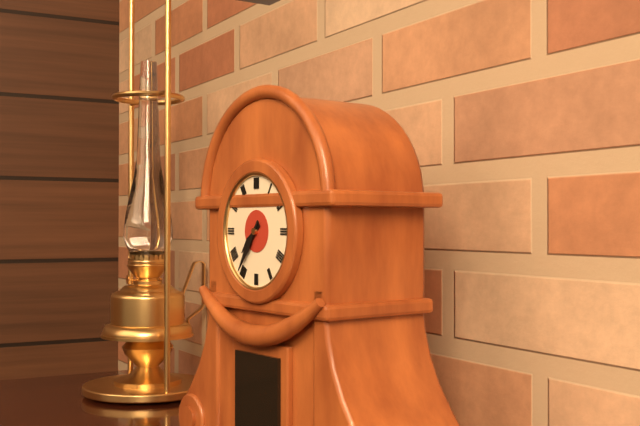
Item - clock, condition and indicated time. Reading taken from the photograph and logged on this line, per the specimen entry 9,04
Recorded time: 7,36
